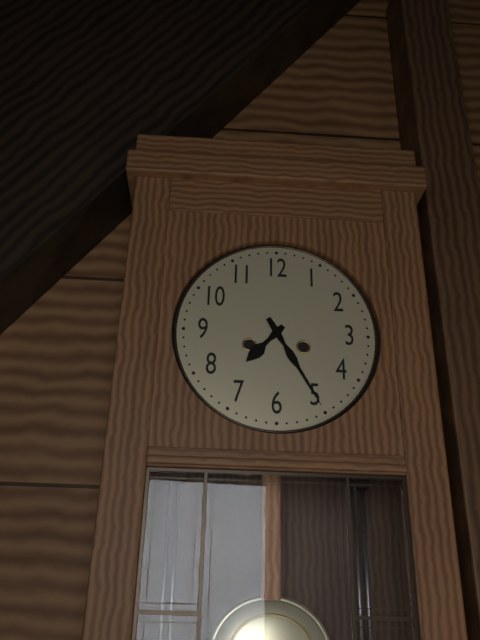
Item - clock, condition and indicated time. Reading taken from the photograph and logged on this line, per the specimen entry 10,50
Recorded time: 7,25
